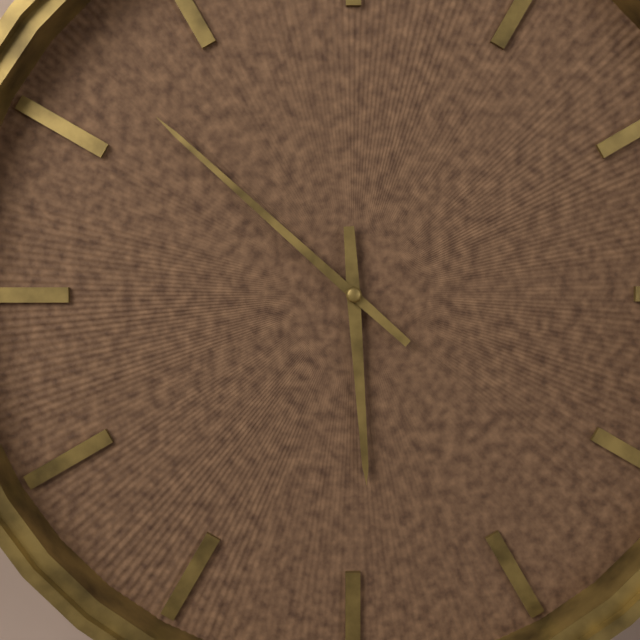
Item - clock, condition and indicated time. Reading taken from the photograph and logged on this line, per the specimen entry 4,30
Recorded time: 5,52
